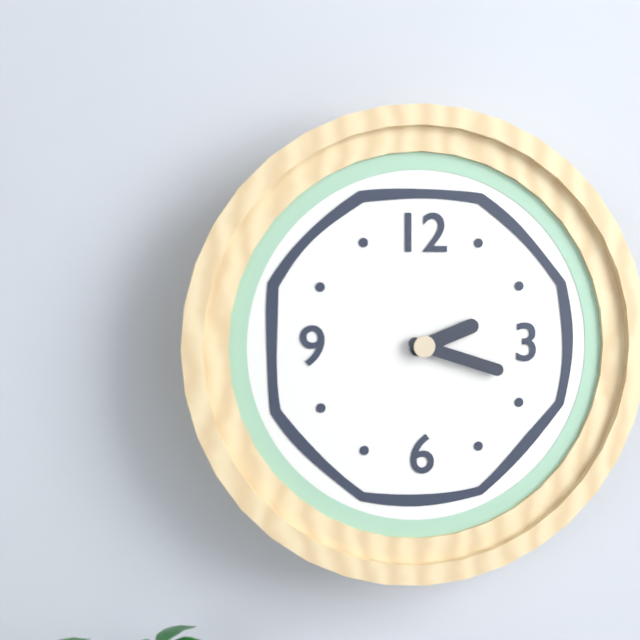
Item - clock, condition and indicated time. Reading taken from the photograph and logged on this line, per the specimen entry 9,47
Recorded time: 2,18
